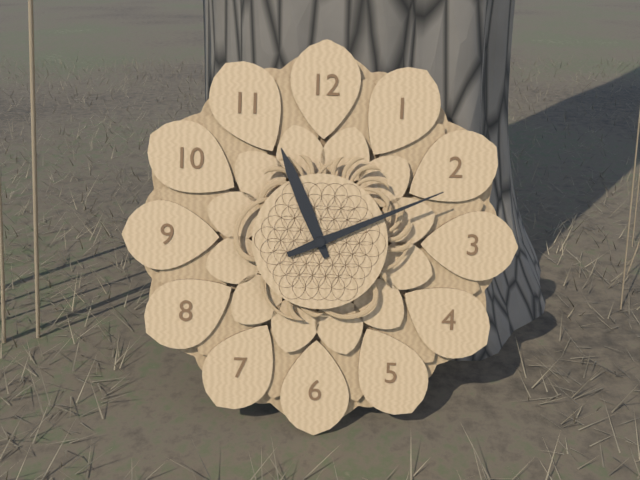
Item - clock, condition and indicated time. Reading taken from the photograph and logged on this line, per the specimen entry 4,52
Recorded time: 11,11
